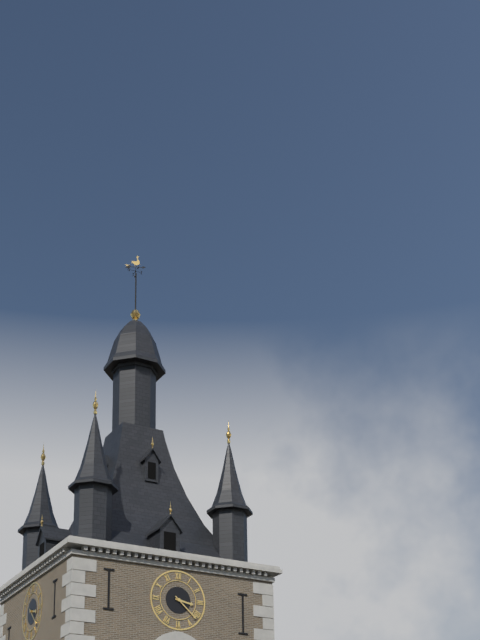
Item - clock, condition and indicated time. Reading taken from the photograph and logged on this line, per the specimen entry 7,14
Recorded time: 3,22
